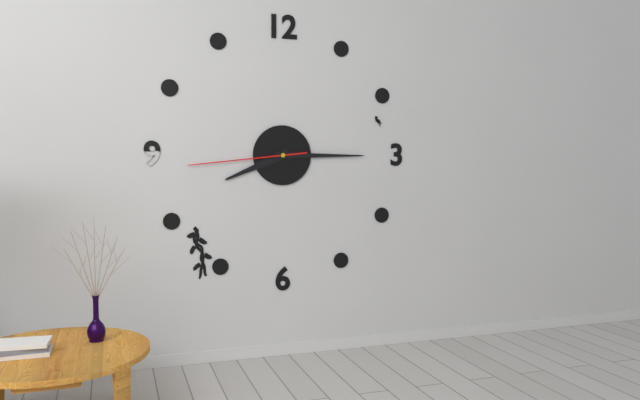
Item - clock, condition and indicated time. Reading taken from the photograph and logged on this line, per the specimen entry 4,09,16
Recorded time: 8,15,44
